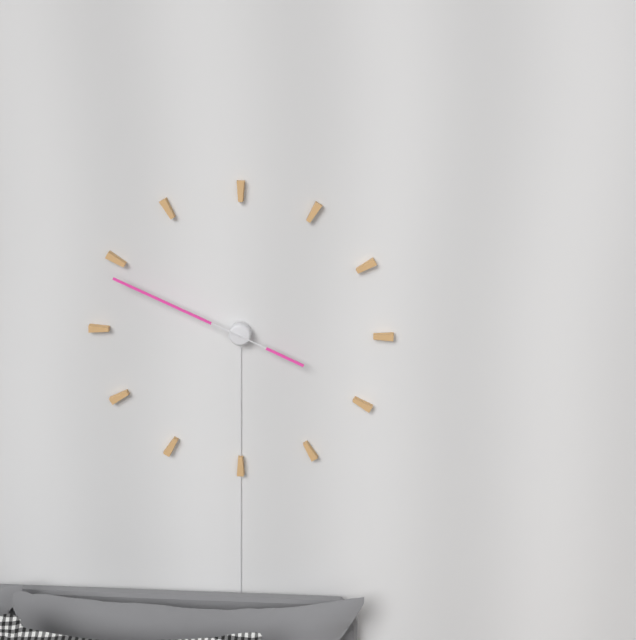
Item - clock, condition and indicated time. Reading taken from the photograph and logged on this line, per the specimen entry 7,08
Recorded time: 3,49
